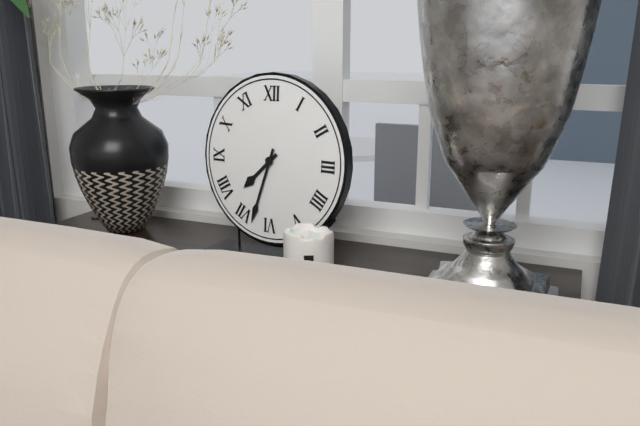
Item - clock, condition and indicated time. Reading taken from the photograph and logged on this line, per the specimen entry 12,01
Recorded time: 7,33
